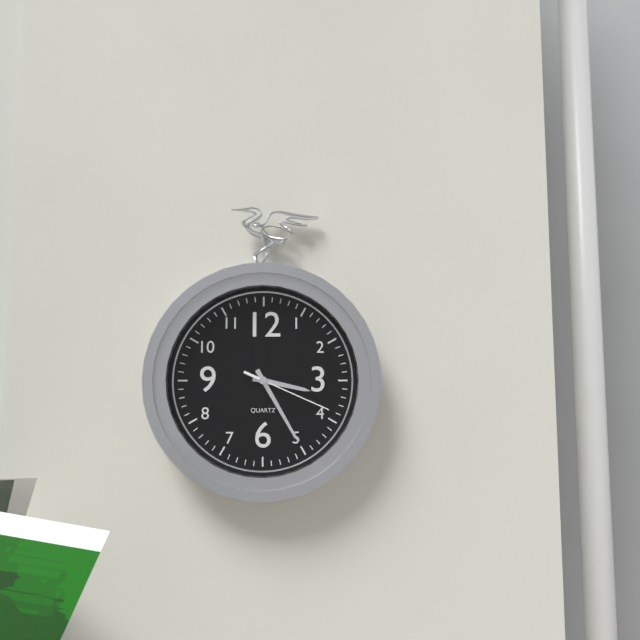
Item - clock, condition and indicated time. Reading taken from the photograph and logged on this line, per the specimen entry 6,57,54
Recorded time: 3,25,19
